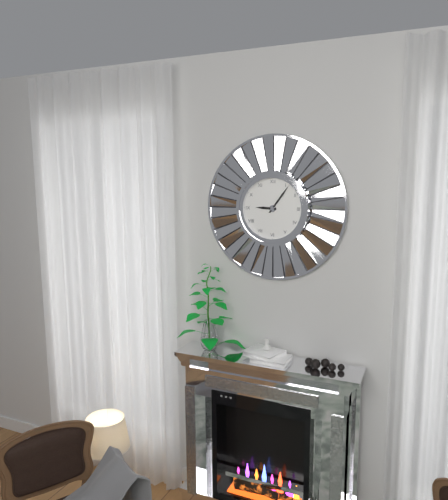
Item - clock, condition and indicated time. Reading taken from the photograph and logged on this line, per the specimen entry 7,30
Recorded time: 9,06
